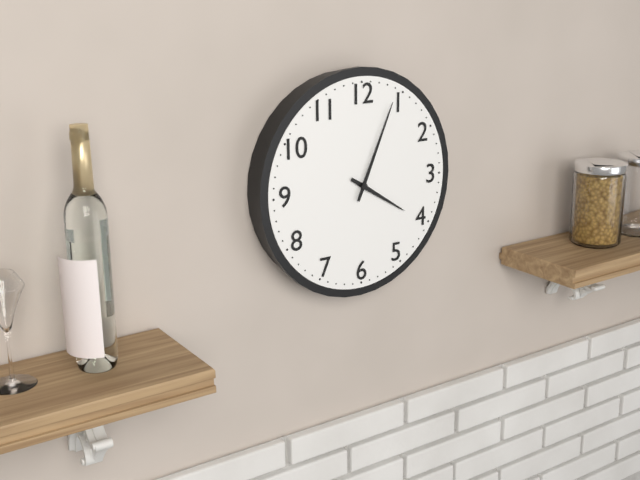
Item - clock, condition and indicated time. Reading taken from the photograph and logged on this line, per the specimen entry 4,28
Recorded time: 4,04
